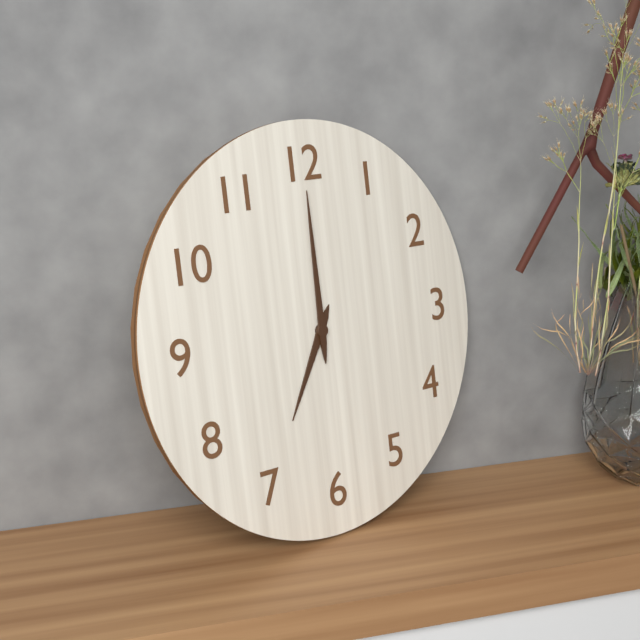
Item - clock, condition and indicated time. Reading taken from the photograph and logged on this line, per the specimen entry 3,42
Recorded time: 7,00
